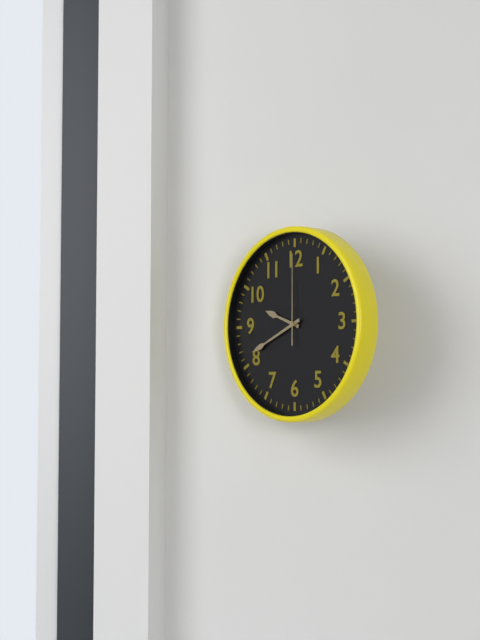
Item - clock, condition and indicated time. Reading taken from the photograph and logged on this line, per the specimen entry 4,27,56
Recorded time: 9,41,00
